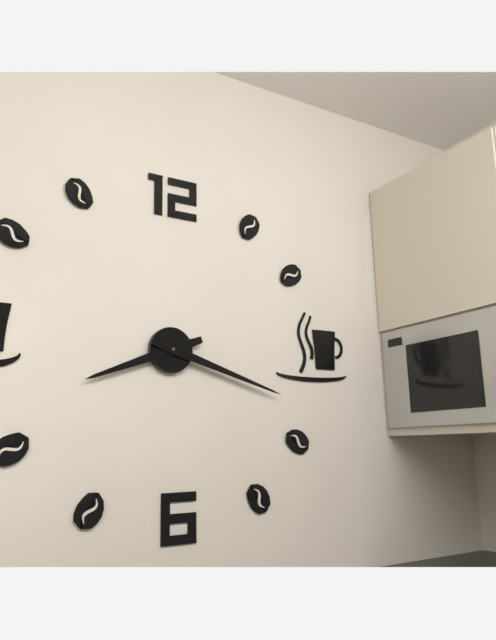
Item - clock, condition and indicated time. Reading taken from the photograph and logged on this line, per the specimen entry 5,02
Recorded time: 8,18
